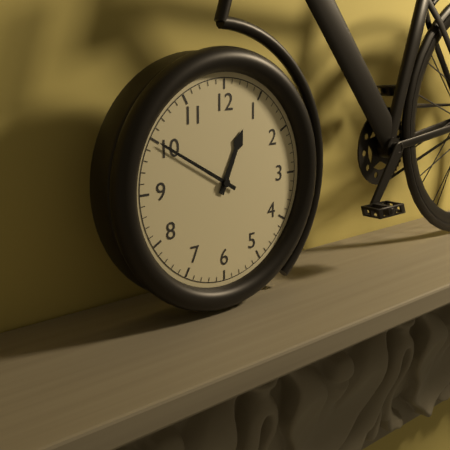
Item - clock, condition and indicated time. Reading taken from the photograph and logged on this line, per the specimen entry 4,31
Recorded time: 12,50
